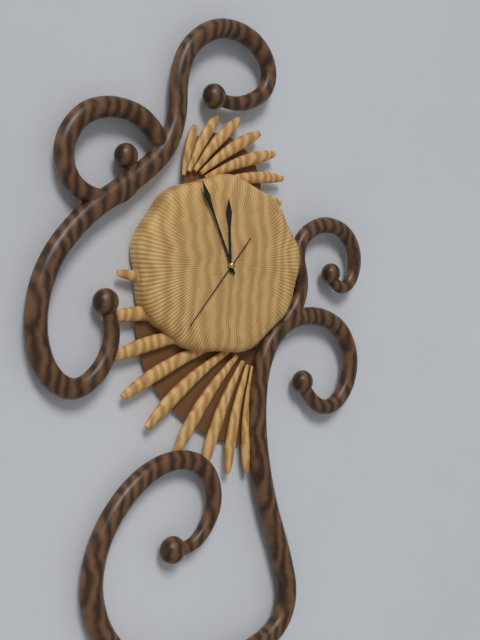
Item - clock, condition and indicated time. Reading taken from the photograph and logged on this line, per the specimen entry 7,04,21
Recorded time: 11,56,37
